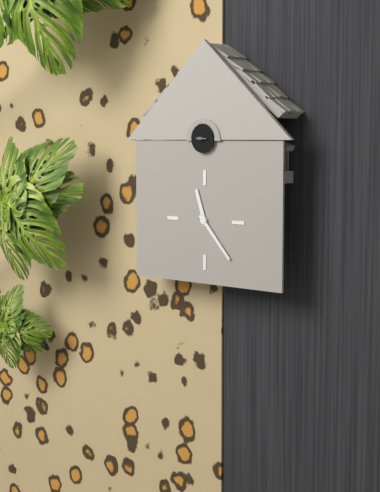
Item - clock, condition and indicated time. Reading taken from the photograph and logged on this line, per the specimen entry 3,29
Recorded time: 11,23
